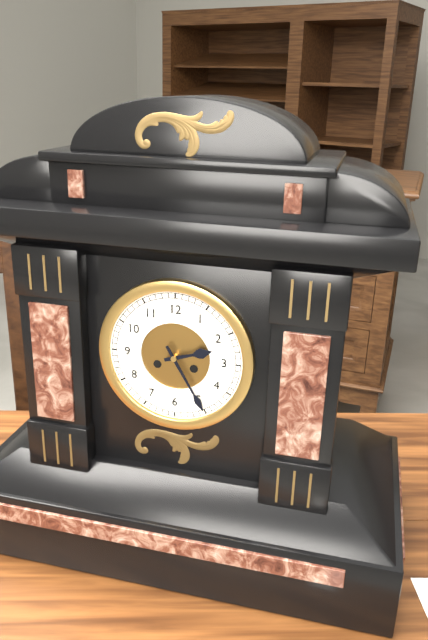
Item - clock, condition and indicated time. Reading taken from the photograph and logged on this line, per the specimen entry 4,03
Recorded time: 2,25
